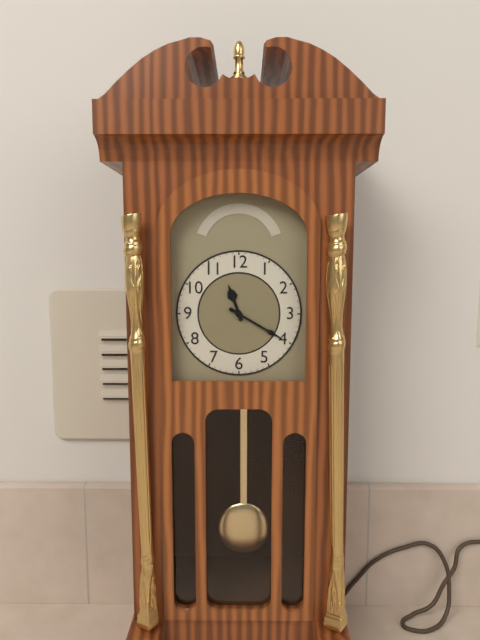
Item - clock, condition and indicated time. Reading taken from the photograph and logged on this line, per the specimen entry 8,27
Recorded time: 11,20
